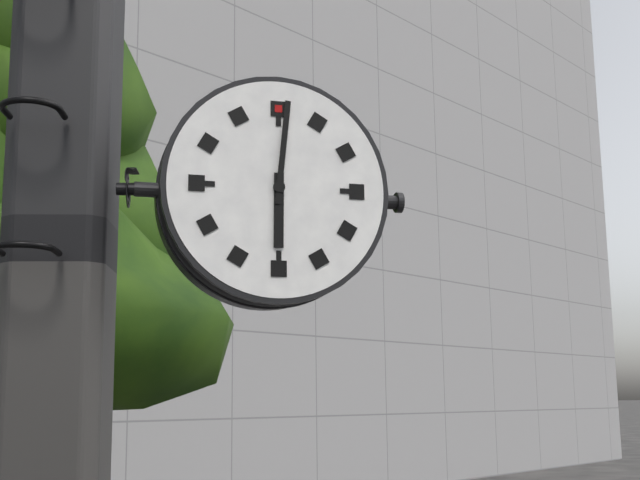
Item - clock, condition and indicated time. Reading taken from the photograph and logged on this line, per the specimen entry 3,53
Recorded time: 6,01
